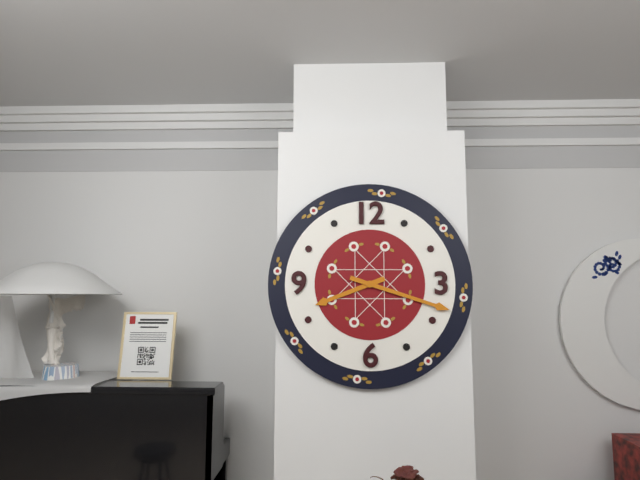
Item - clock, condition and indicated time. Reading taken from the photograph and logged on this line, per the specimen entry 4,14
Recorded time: 8,18
